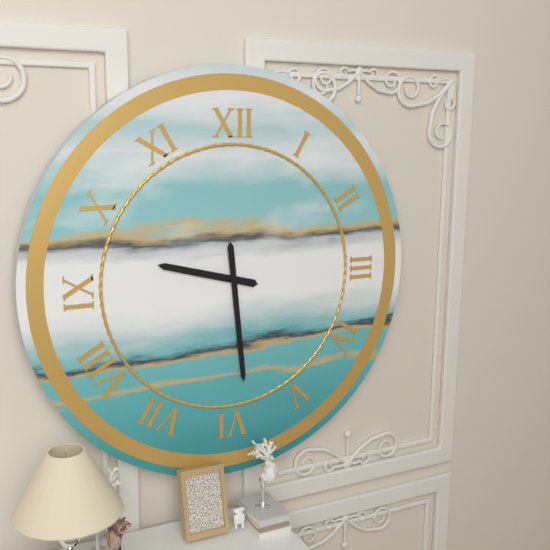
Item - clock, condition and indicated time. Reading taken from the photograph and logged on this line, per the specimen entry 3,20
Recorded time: 9,29
